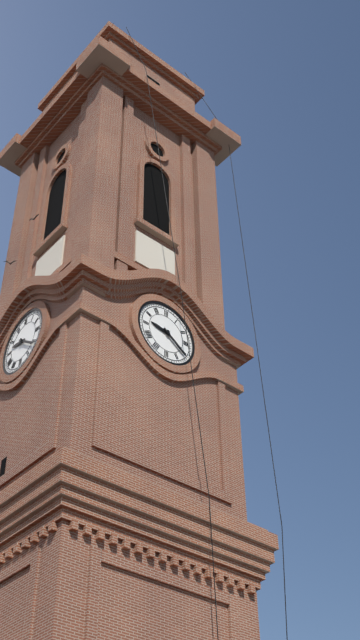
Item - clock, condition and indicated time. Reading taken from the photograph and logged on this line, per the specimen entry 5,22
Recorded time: 9,21
